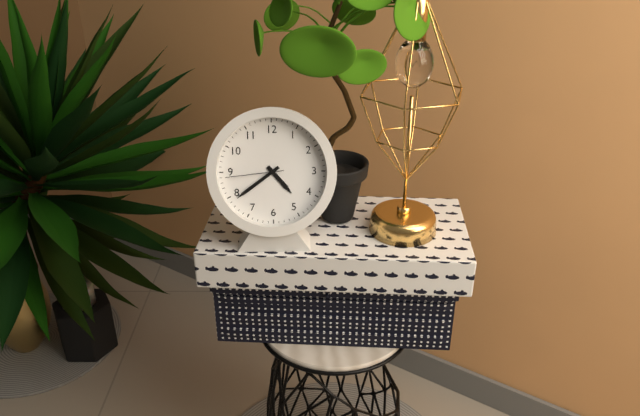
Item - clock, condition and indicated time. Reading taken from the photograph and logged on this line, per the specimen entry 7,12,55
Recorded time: 4,39,44
